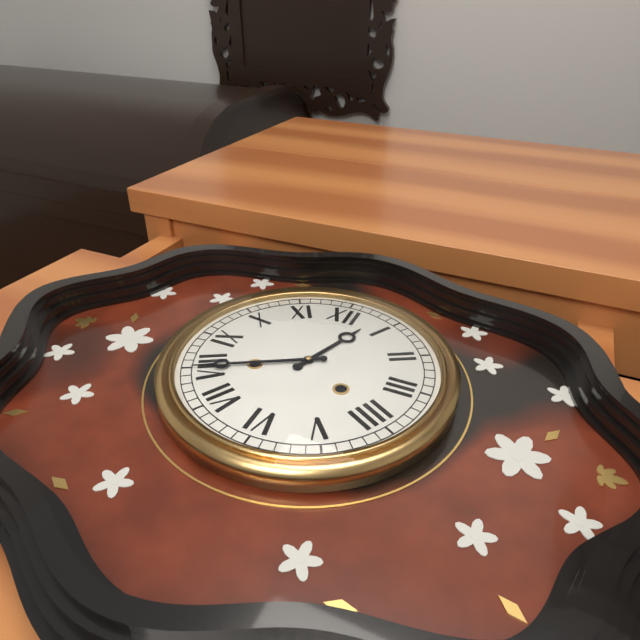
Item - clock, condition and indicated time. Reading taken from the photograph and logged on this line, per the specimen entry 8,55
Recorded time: 12,40
